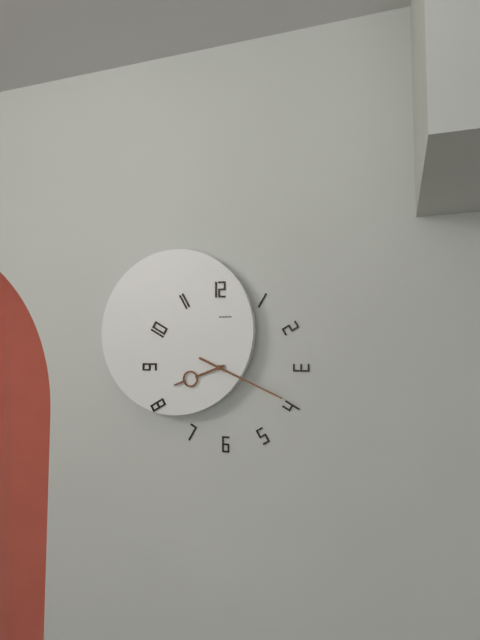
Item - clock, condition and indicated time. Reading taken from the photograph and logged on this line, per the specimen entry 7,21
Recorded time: 8,19
